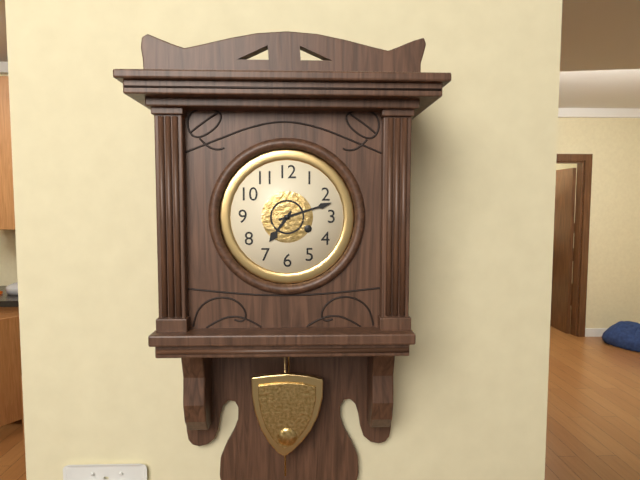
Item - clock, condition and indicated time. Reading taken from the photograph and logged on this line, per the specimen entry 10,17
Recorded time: 7,12
